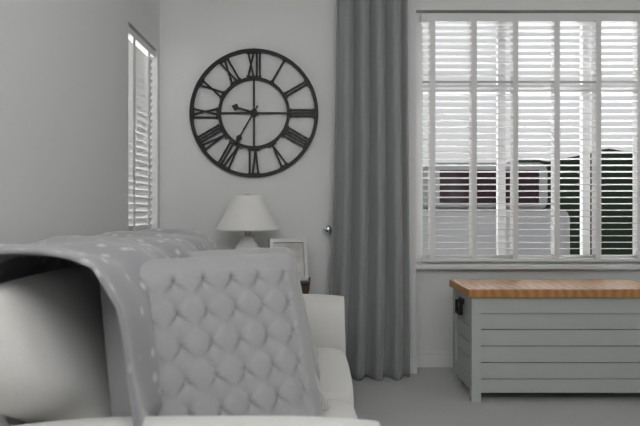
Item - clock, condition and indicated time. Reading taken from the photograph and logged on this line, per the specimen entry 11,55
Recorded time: 9,35
